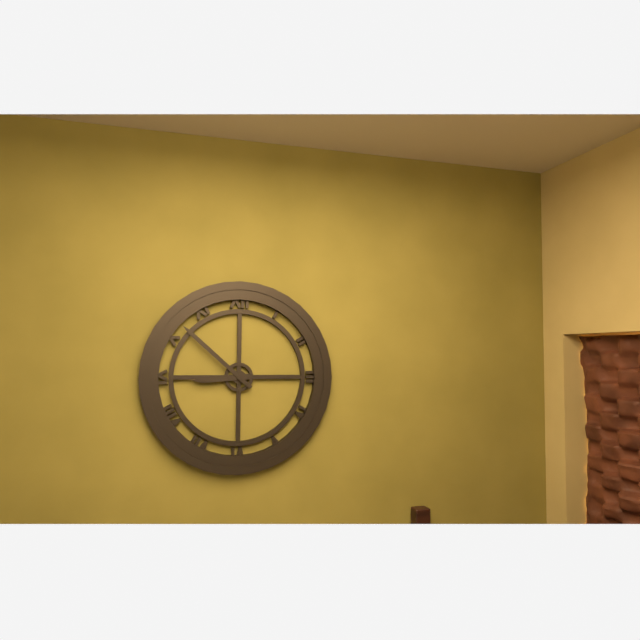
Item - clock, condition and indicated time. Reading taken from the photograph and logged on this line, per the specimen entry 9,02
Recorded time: 8,52
